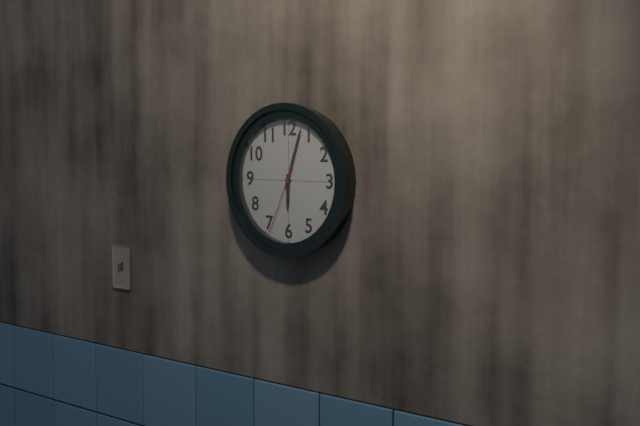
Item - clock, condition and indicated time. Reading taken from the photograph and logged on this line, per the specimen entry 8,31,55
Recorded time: 6,03,34
